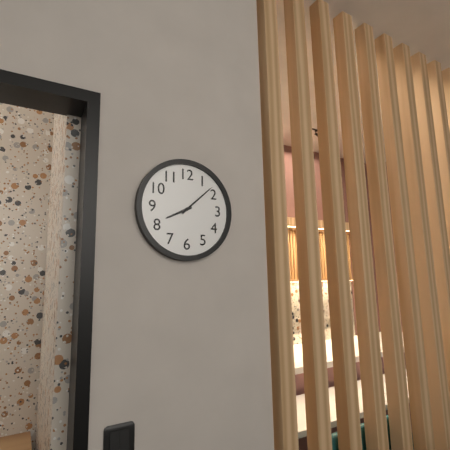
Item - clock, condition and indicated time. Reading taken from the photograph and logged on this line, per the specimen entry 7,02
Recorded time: 8,08
